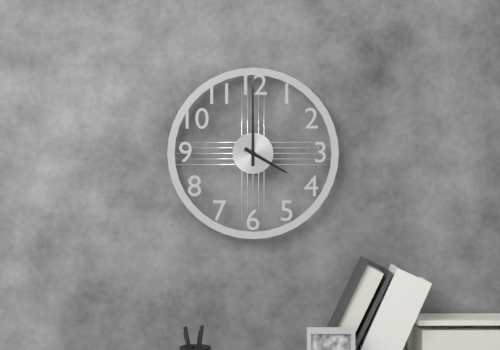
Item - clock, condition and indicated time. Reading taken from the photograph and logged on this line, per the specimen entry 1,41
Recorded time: 4,00
